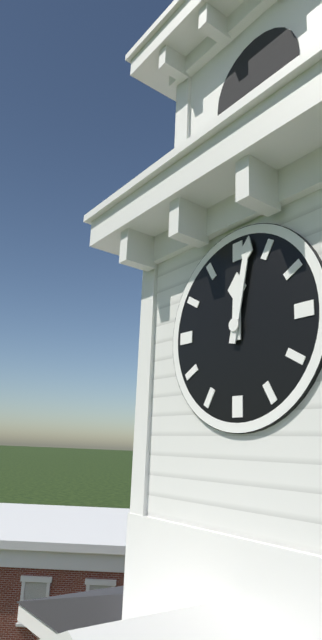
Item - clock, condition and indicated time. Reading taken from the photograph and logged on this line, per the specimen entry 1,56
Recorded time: 12,02
